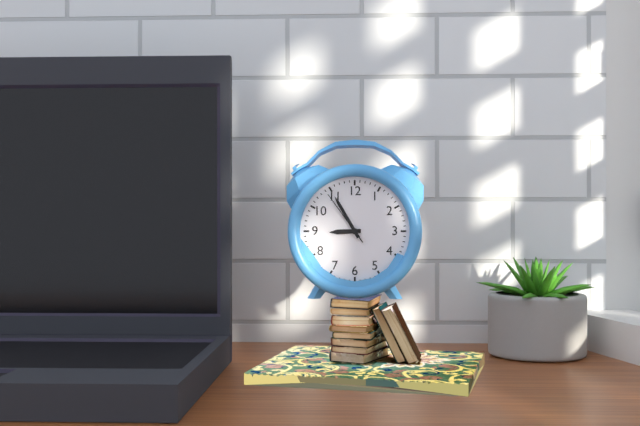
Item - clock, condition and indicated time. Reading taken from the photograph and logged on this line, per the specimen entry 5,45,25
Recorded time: 8,55,54
